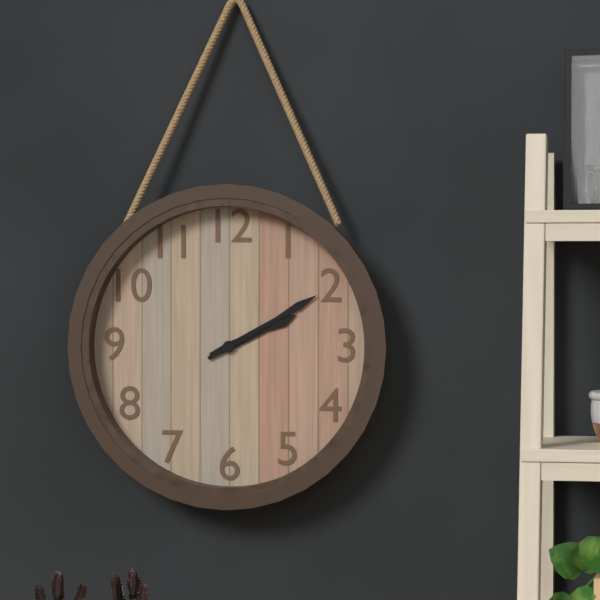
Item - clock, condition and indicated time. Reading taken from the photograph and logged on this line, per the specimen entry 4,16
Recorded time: 2,10
